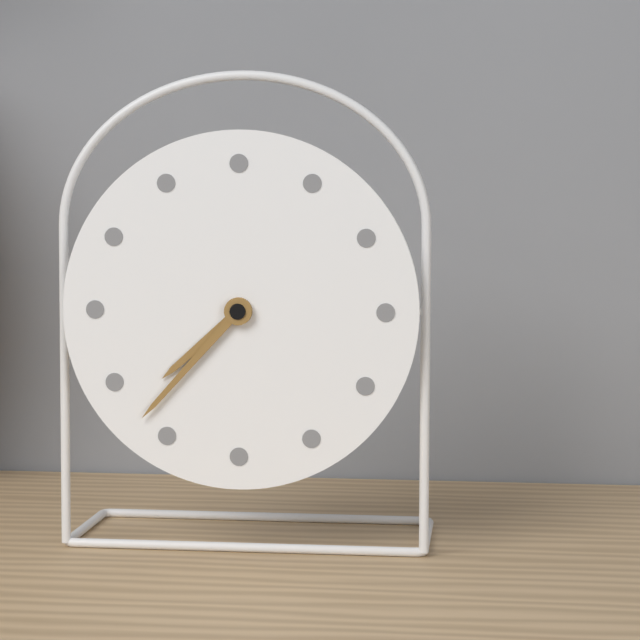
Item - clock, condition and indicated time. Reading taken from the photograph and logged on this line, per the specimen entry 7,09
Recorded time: 7,37
